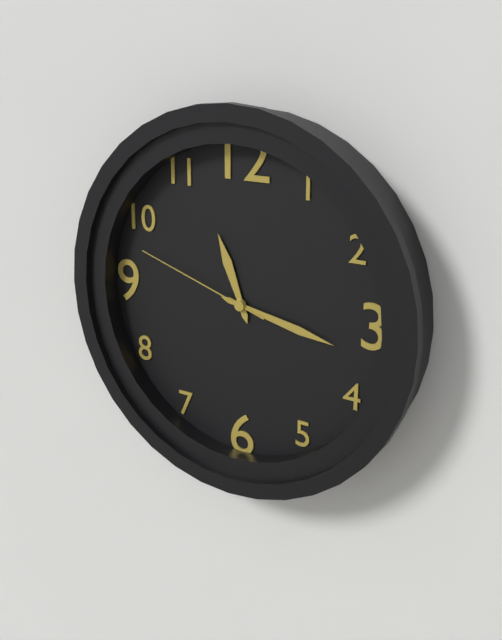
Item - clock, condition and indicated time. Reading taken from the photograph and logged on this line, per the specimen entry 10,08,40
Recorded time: 11,17,48
